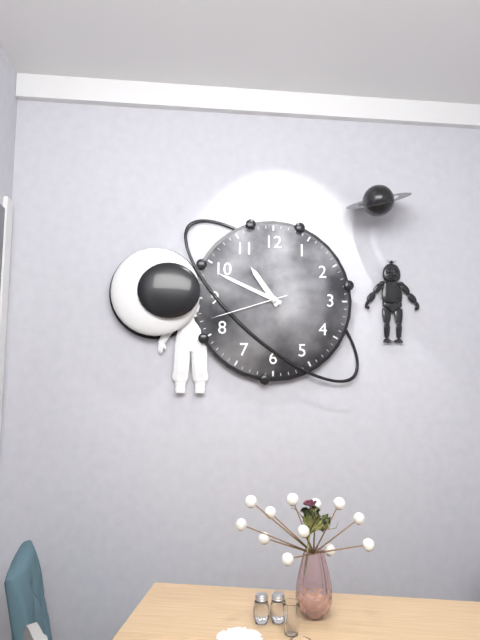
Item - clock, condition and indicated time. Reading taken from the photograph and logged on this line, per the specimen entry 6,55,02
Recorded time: 10,49,42
